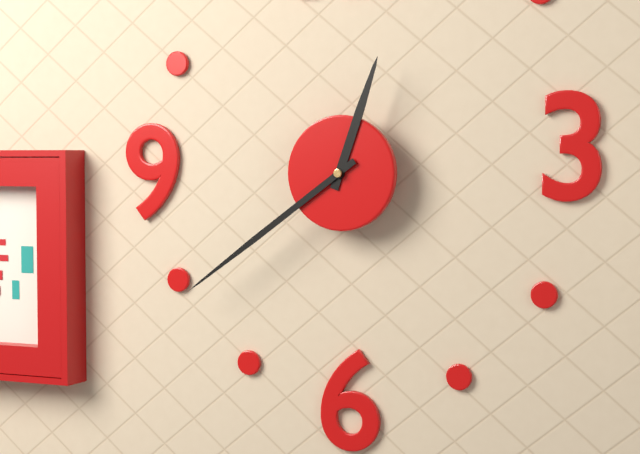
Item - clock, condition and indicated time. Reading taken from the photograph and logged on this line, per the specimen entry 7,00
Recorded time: 12,39
